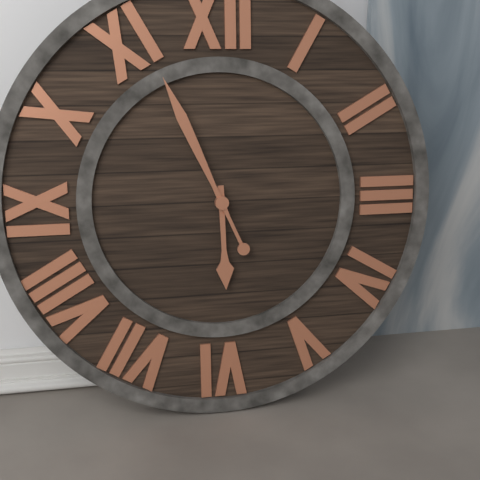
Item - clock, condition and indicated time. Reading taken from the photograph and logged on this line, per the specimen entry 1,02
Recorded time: 5,56
